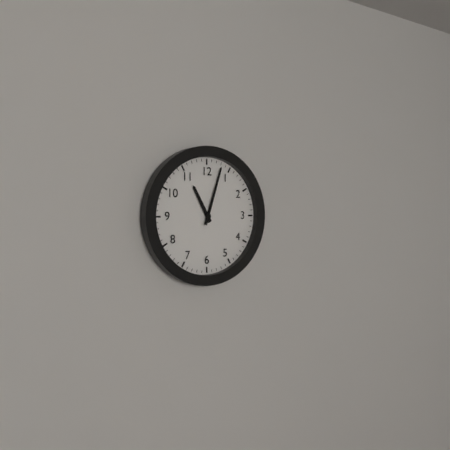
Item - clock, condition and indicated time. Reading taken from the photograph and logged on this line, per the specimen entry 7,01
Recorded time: 11,03
